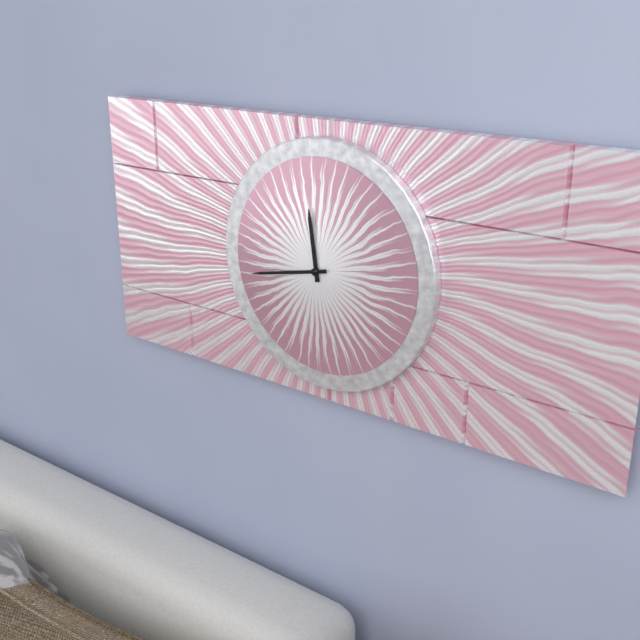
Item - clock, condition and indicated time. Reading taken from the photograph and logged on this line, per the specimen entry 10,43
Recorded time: 11,43
